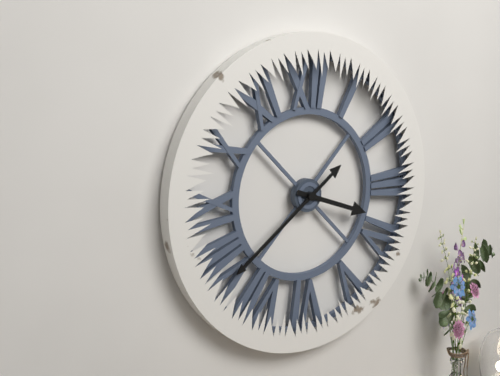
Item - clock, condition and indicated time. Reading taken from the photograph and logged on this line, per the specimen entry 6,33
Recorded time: 3,39
